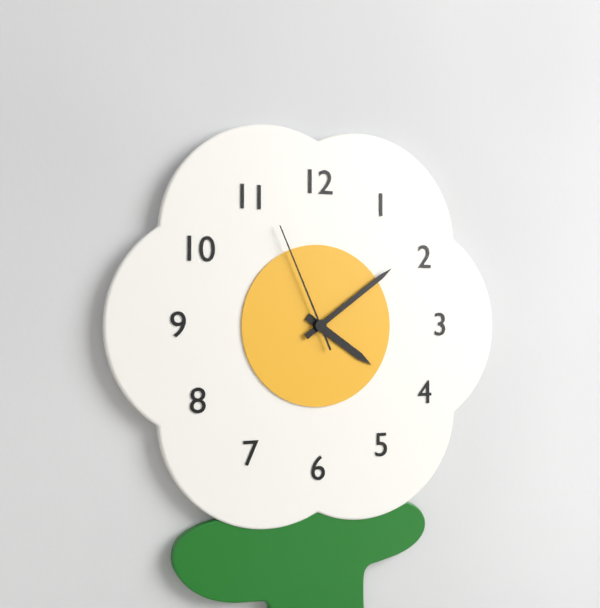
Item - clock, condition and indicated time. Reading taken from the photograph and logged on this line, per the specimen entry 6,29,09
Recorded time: 4,09,56
